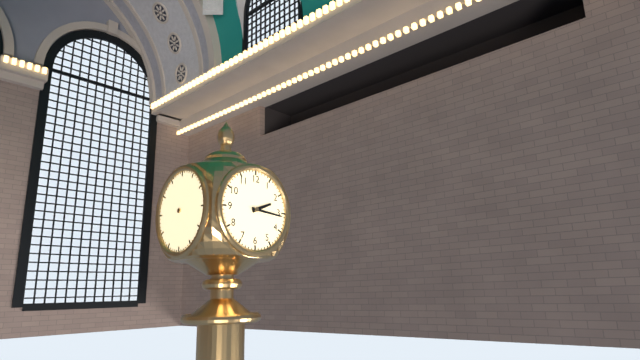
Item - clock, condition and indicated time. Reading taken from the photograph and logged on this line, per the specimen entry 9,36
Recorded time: 2,16
